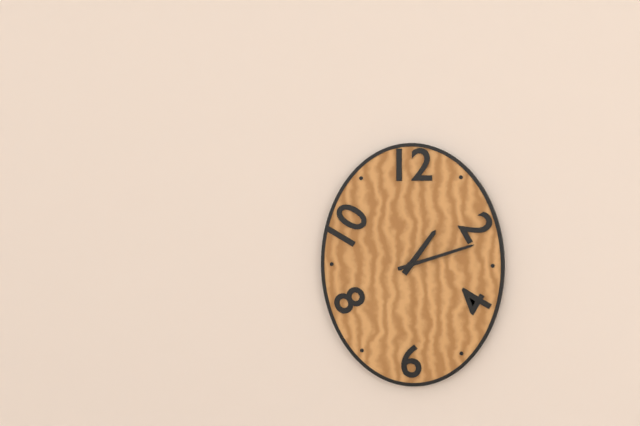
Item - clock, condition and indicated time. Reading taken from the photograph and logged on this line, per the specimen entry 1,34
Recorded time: 1,12
